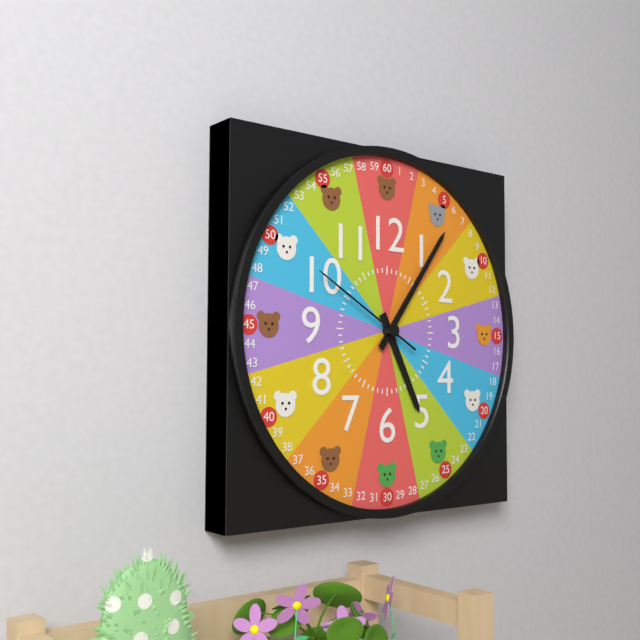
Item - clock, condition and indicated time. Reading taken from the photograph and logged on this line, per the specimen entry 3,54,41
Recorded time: 5,06,50
